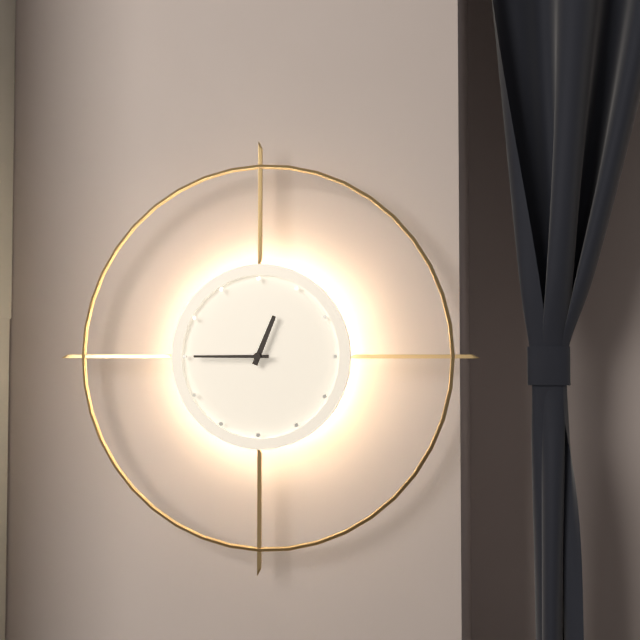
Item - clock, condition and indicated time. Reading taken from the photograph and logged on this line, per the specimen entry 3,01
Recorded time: 12,45
